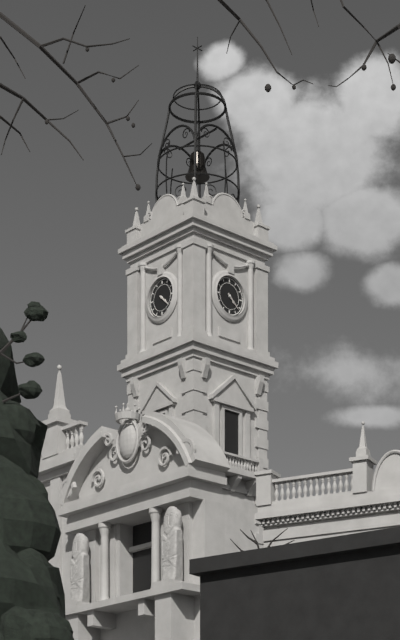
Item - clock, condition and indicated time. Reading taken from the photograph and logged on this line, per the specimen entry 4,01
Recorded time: 4,22
